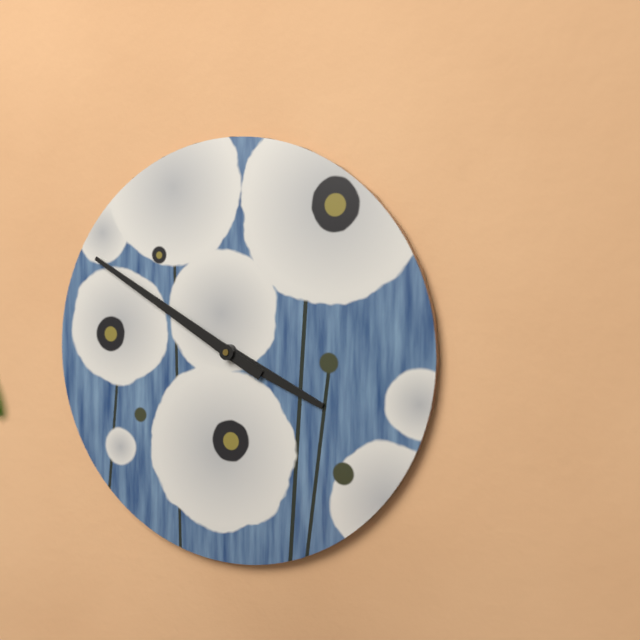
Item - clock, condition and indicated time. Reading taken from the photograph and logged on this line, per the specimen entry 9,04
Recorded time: 3,50
